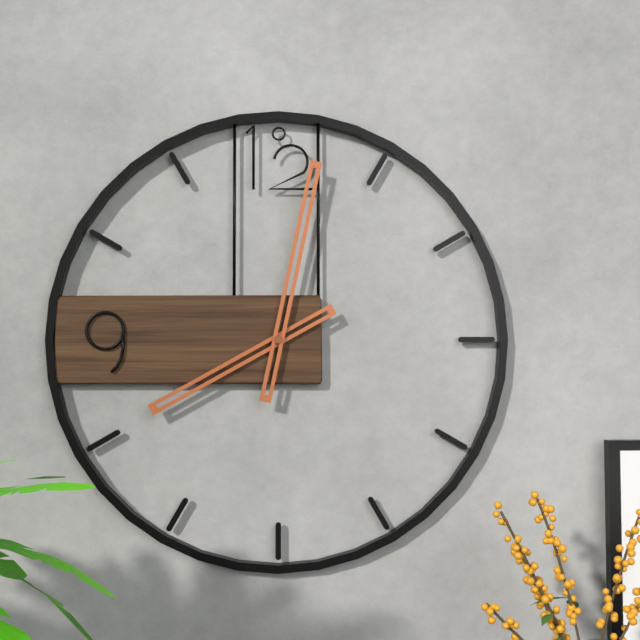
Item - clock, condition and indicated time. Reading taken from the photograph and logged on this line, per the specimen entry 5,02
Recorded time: 8,02
